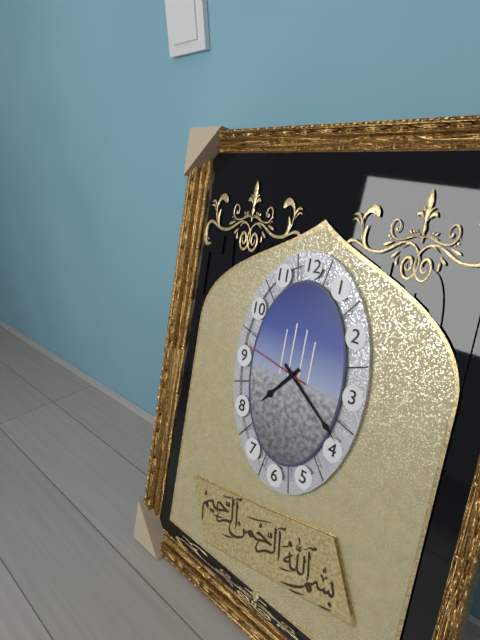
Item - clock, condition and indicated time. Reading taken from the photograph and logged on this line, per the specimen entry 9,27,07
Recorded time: 7,21,47
